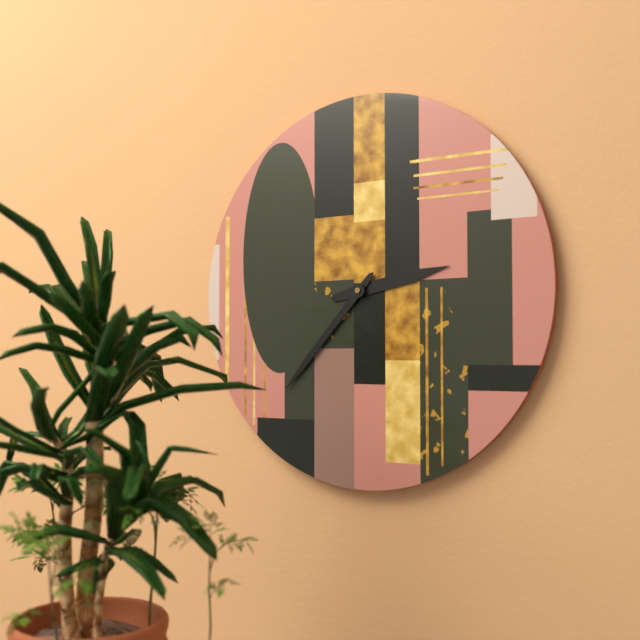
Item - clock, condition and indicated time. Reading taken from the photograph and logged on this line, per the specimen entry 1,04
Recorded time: 2,37
